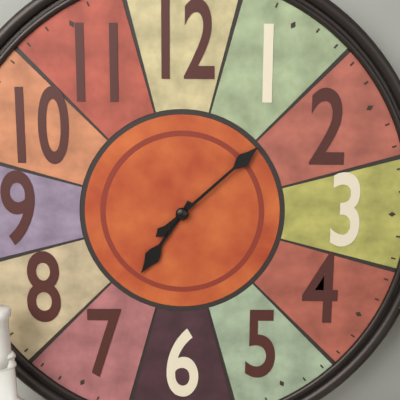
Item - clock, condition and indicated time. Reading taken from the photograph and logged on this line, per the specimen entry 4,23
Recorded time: 7,08
